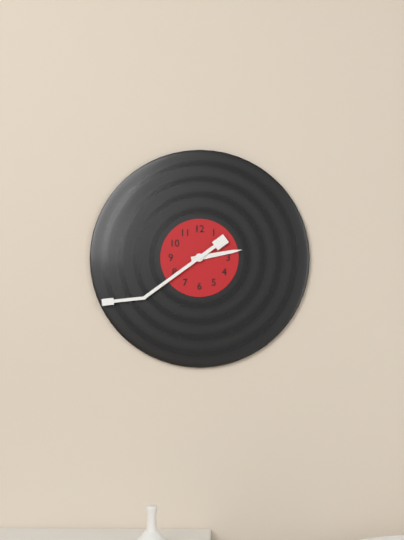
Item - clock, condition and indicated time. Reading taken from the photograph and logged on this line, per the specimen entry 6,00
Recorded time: 2,39
